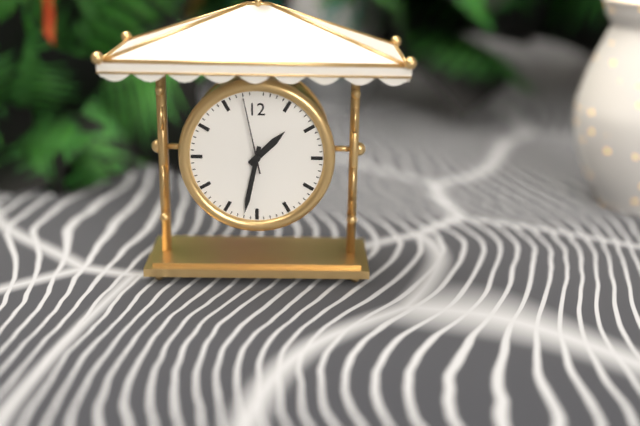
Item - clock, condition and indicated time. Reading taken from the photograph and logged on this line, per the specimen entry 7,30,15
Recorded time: 1,32,58
